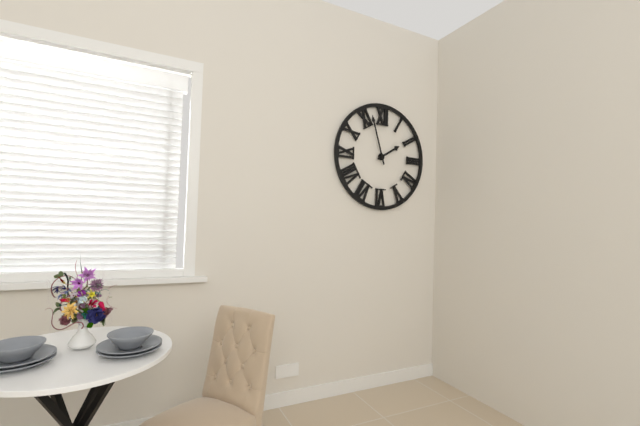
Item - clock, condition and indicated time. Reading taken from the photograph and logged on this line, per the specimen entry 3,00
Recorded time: 1,57
